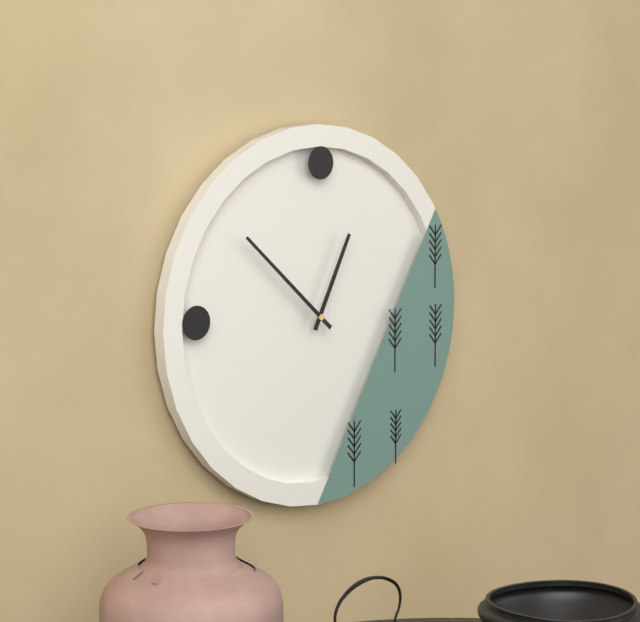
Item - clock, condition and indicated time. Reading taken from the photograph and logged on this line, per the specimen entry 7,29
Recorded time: 12,52
